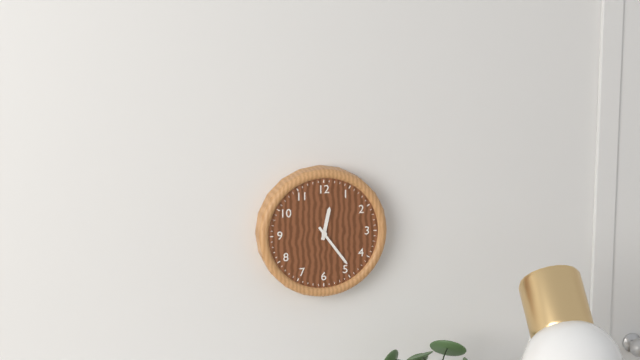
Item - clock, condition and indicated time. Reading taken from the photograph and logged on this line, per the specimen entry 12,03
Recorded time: 12,24
